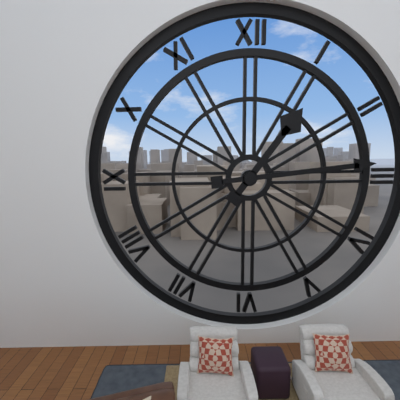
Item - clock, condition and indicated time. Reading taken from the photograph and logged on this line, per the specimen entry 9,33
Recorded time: 1,14
